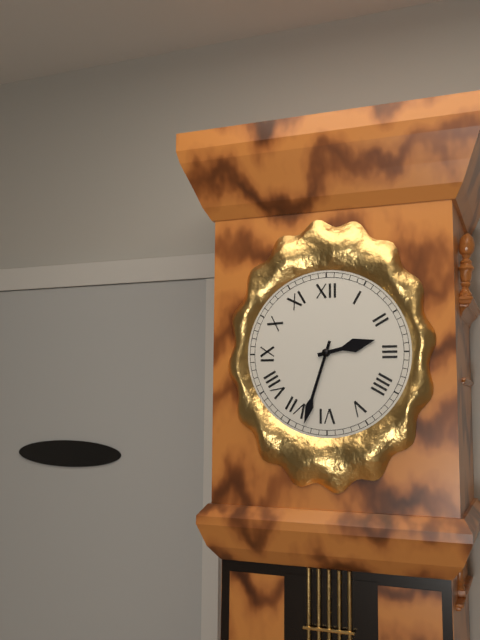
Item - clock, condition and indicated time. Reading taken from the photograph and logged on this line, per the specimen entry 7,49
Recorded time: 2,33
